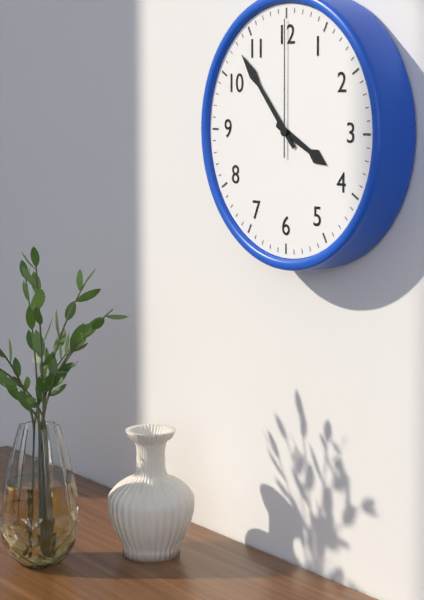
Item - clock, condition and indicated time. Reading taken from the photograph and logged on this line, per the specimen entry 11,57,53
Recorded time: 3,53,00
